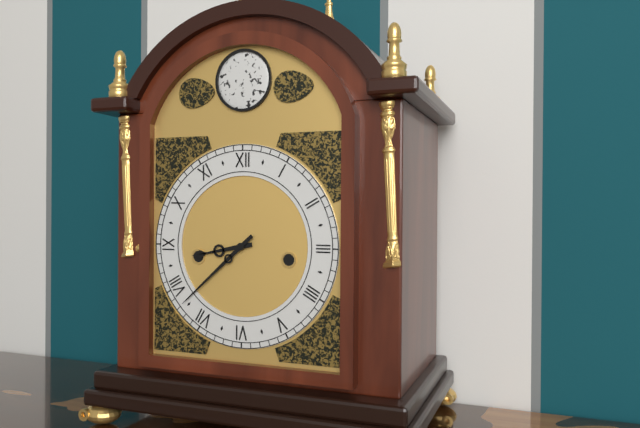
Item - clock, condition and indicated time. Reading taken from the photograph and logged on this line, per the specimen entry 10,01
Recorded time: 8,38
